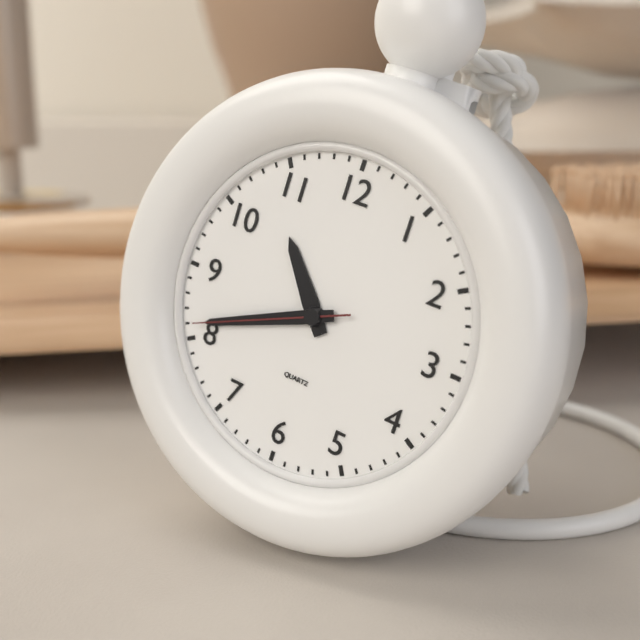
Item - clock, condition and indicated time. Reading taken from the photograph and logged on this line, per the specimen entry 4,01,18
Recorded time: 10,41,41
